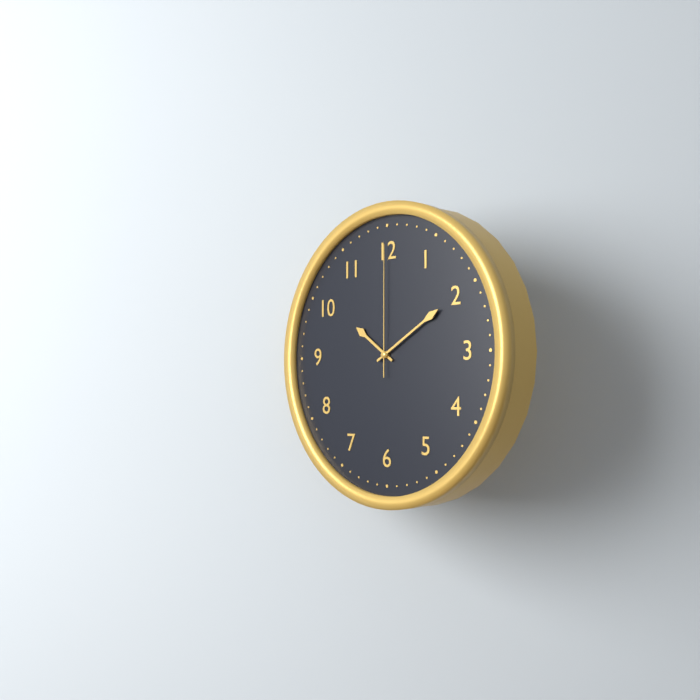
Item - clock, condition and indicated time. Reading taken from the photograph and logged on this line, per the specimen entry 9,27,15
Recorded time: 10,10,00
